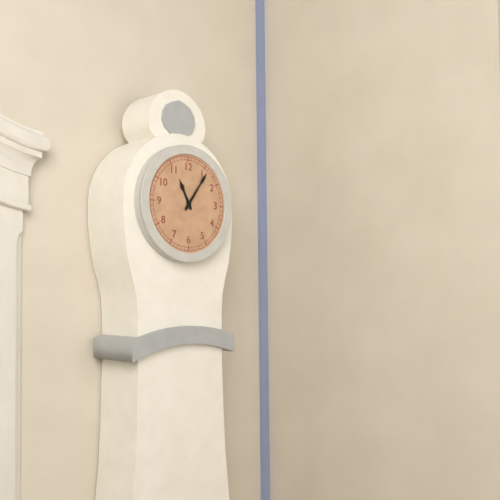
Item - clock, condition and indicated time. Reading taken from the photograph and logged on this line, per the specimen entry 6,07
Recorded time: 11,06
